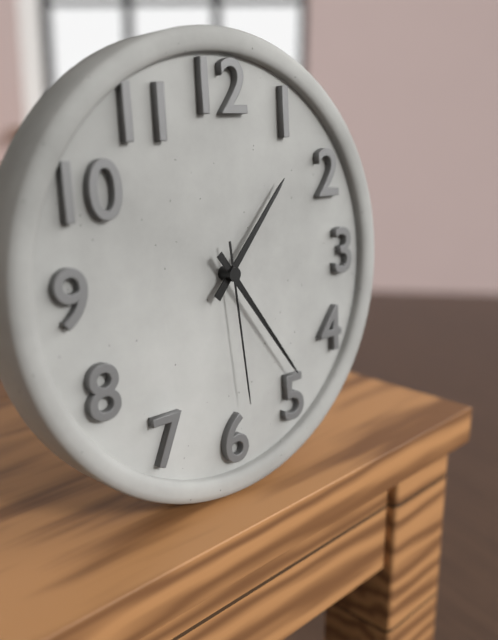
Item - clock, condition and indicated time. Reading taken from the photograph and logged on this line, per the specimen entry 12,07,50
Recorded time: 1,24,29
